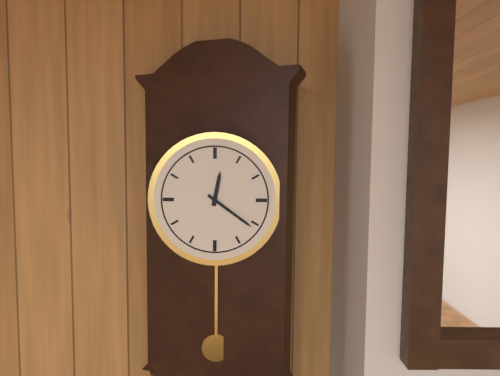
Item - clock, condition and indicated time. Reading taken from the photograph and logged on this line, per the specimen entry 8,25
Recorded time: 12,21
